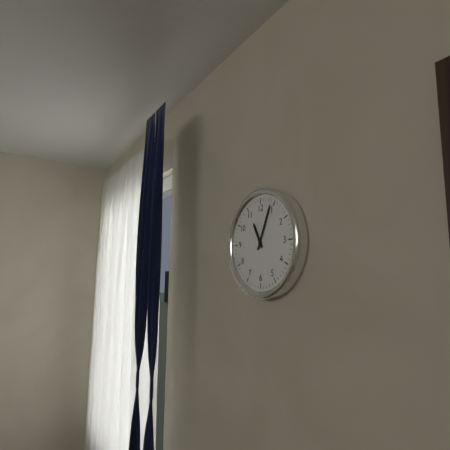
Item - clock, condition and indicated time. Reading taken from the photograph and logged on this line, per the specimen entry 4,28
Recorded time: 11,04
